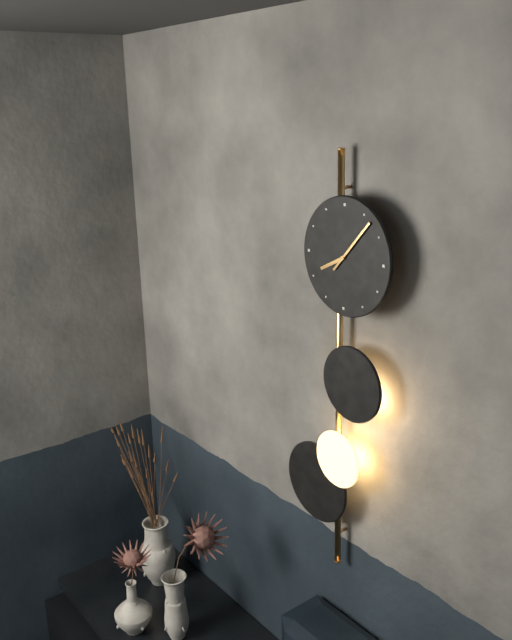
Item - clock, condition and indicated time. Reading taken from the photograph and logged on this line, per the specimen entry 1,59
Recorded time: 8,07
